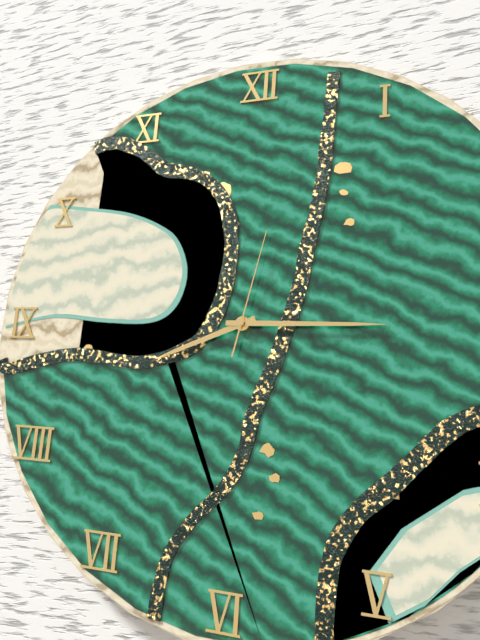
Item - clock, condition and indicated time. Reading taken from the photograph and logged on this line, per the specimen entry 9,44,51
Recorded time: 8,15,02
